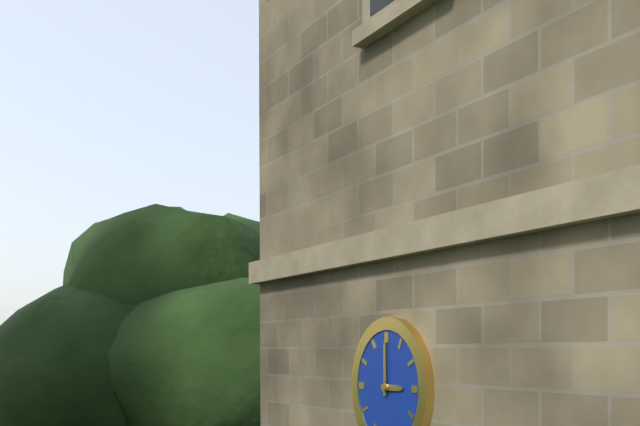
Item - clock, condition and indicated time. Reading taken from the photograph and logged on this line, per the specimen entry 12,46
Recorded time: 3,00
